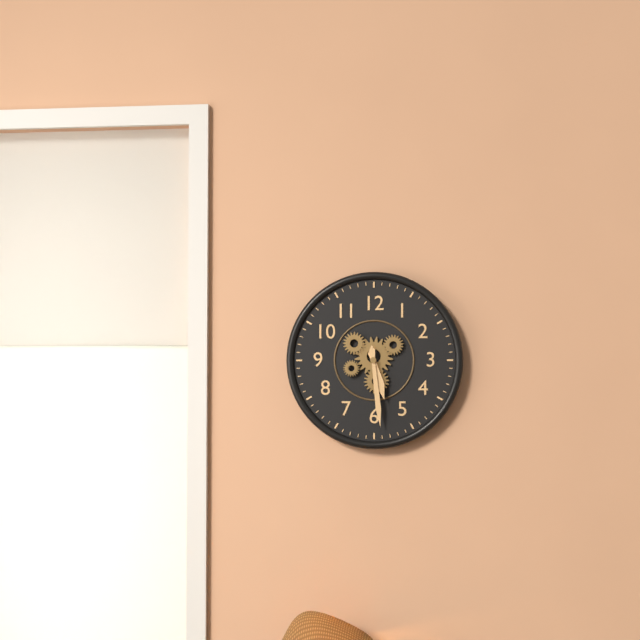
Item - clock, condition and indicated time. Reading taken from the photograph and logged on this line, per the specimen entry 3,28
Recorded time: 5,29
